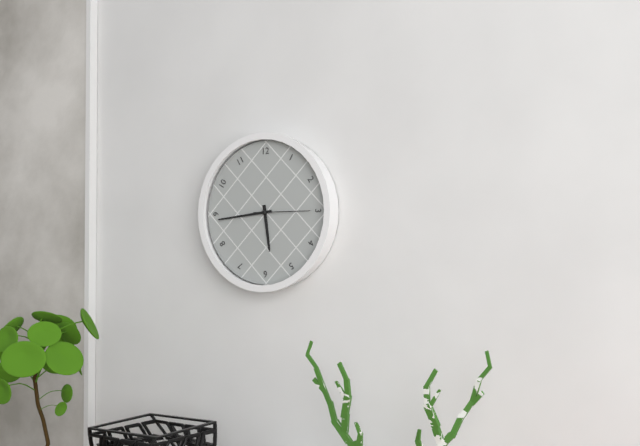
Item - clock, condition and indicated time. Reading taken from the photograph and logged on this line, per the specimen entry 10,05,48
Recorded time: 5,44,15
